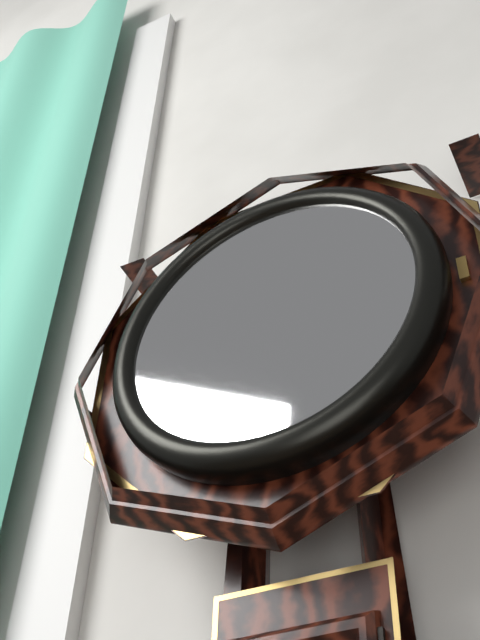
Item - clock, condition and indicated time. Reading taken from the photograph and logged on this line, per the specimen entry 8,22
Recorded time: 11,30
